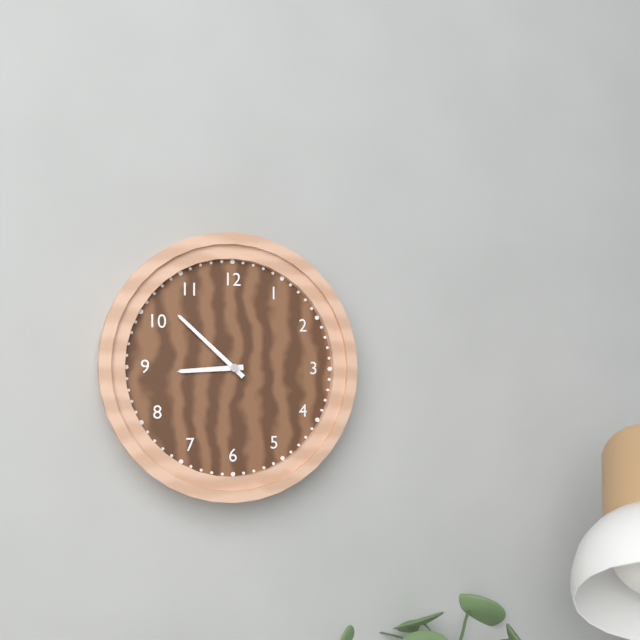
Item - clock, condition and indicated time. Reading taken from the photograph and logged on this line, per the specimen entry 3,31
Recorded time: 8,52
